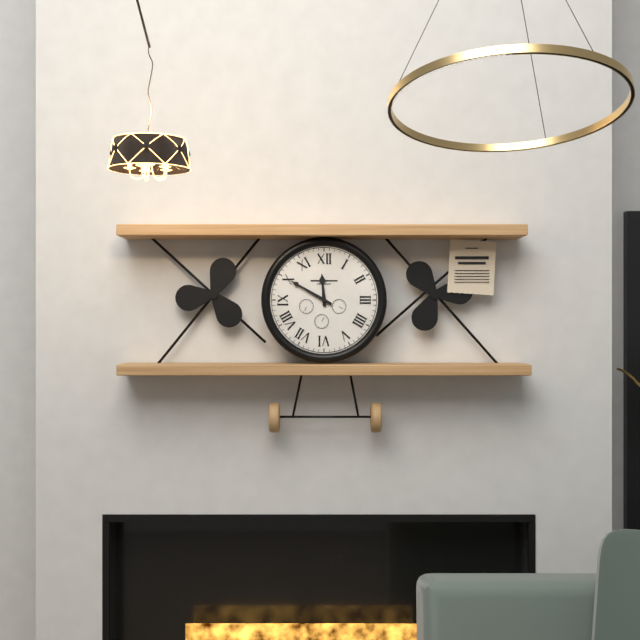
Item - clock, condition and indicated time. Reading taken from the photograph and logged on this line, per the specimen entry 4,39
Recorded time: 11,50
